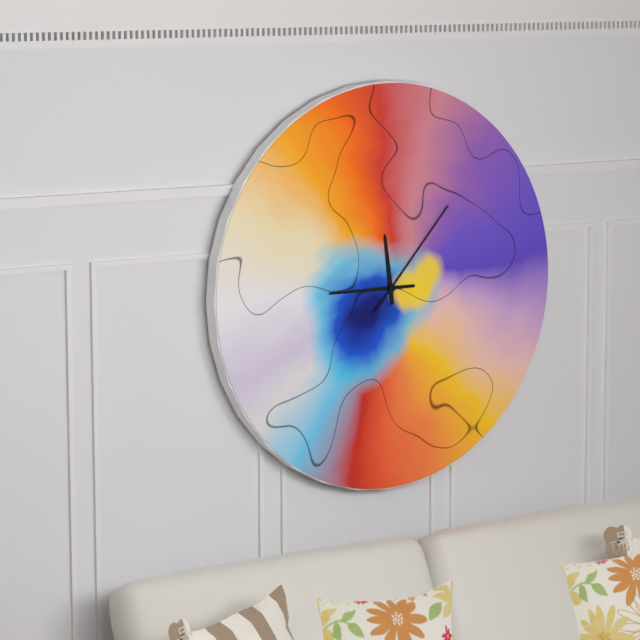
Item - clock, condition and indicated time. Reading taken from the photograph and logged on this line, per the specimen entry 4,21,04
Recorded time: 11,45,07
